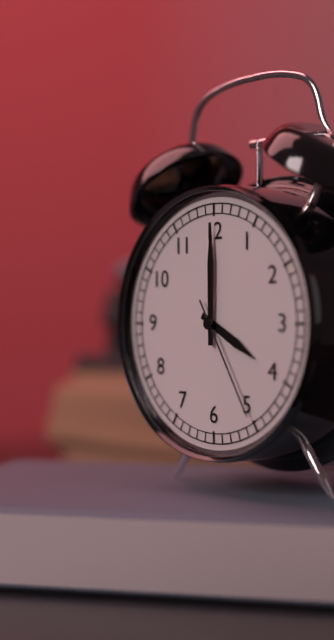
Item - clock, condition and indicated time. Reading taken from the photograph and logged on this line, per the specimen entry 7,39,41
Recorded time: 4,00,25
